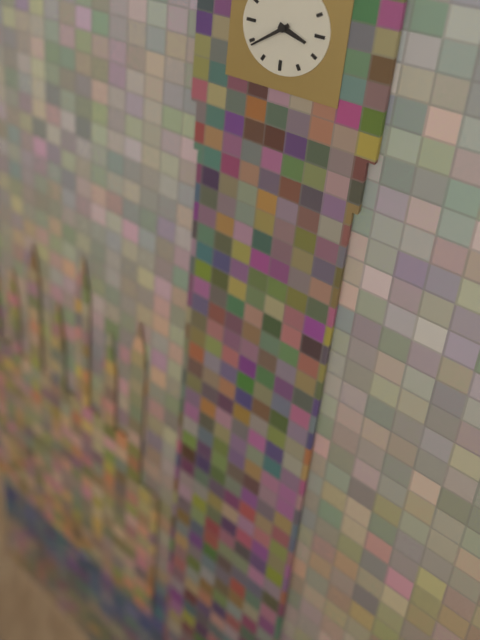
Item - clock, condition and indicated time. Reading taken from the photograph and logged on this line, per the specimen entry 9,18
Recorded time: 3,39
